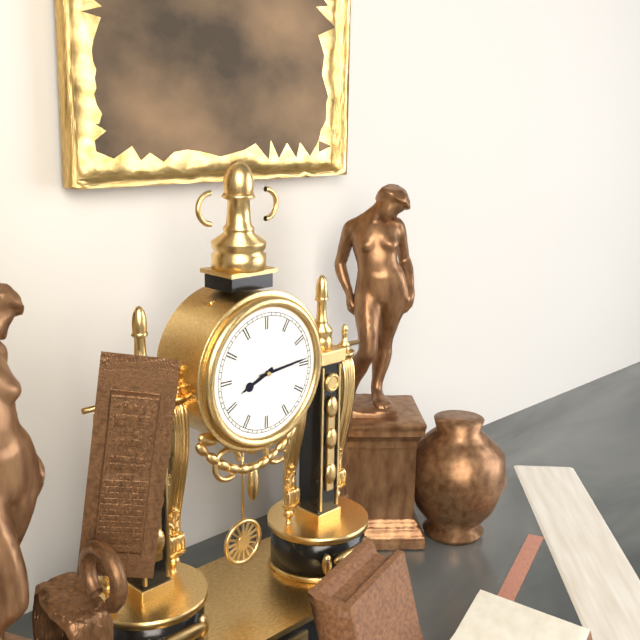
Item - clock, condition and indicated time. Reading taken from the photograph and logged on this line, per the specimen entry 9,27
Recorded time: 8,14
